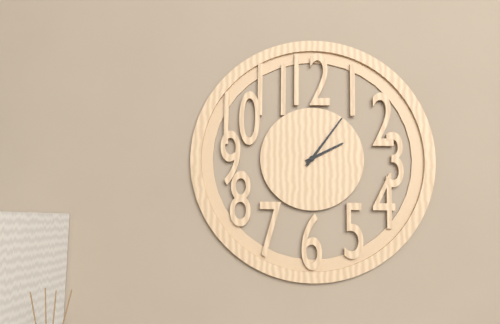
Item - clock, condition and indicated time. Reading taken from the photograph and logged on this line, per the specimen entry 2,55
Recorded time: 2,06
